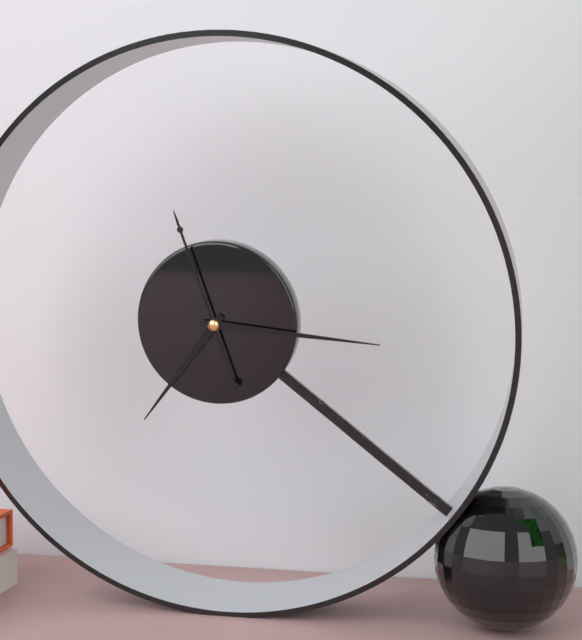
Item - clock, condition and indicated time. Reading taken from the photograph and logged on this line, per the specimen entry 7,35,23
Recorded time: 7,16,57
